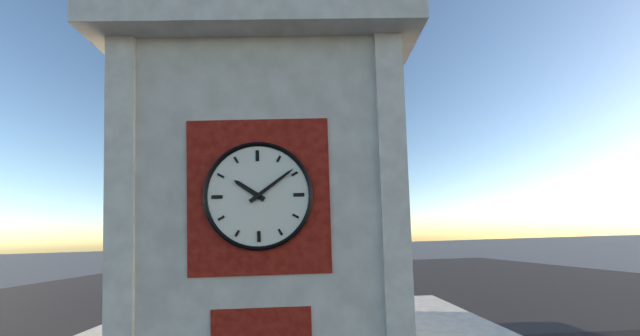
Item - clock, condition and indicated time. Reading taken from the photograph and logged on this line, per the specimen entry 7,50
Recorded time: 10,09
